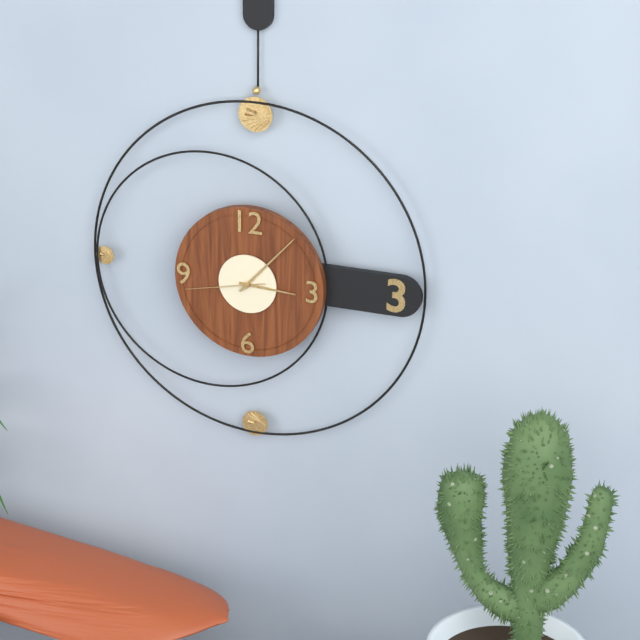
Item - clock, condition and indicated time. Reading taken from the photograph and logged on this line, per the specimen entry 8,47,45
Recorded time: 3,07,43
